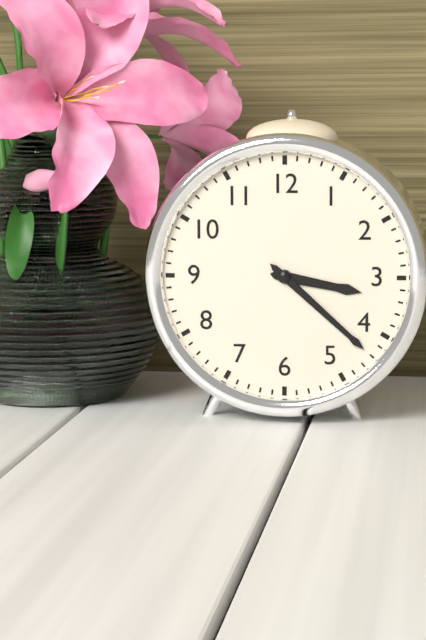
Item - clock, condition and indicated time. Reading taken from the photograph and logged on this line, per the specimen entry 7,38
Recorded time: 3,22
